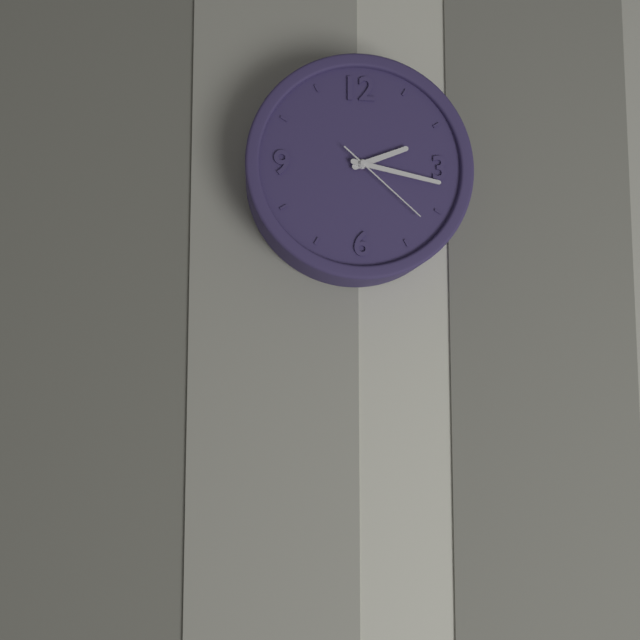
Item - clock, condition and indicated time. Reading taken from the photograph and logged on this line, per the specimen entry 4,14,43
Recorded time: 2,17,22
